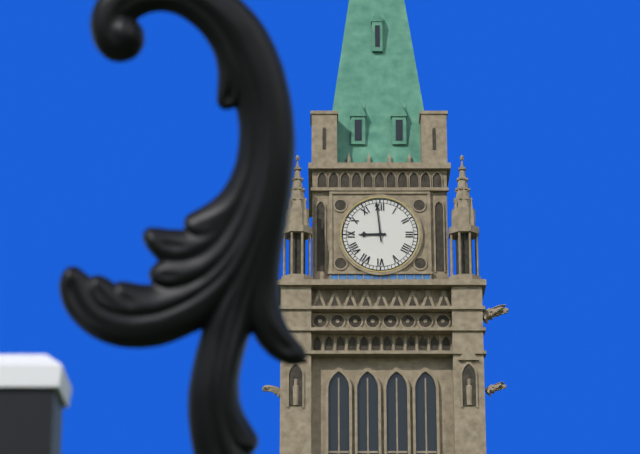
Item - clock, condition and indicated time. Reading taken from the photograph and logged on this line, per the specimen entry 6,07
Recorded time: 8,59
